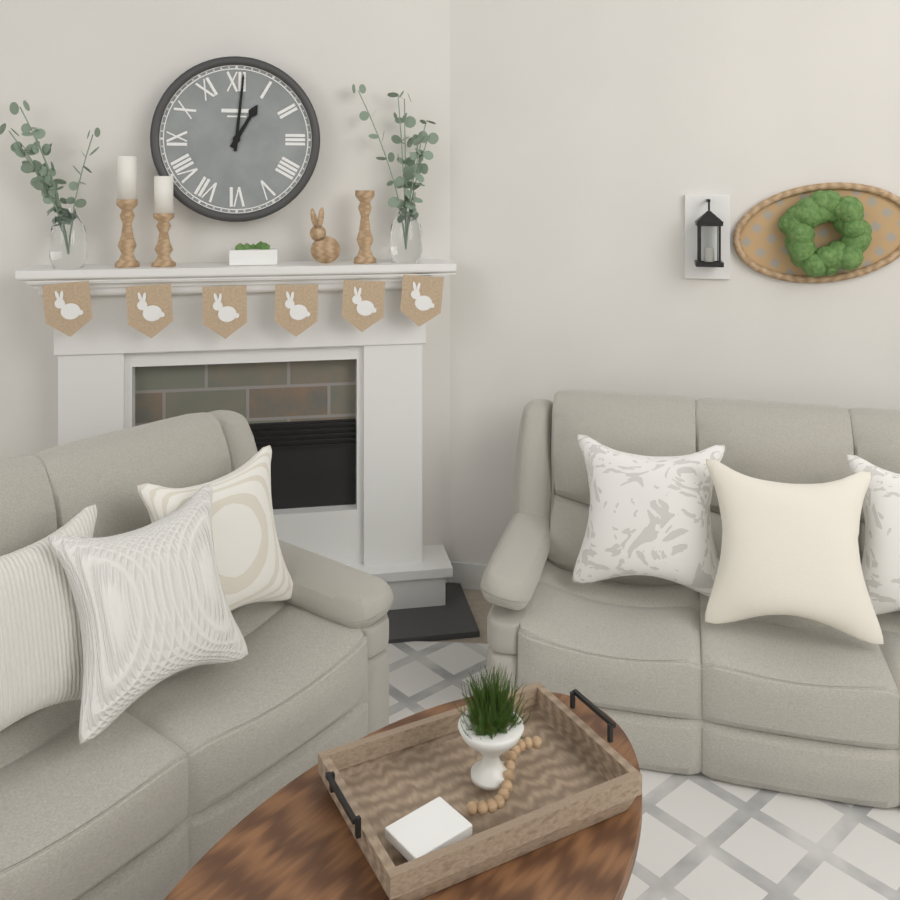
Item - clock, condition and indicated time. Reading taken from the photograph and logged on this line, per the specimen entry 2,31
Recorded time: 1,01
